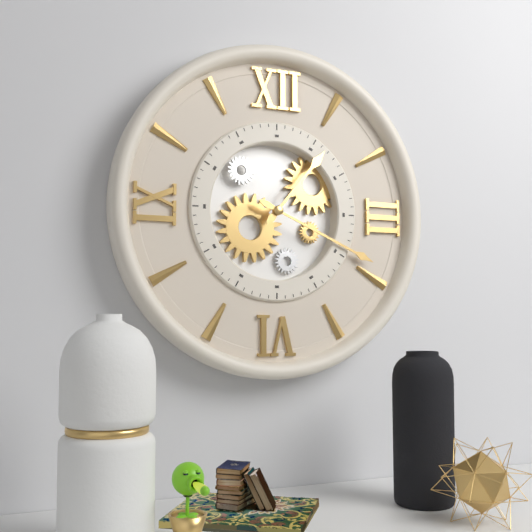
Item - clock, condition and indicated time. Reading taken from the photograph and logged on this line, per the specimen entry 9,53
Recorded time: 1,19
